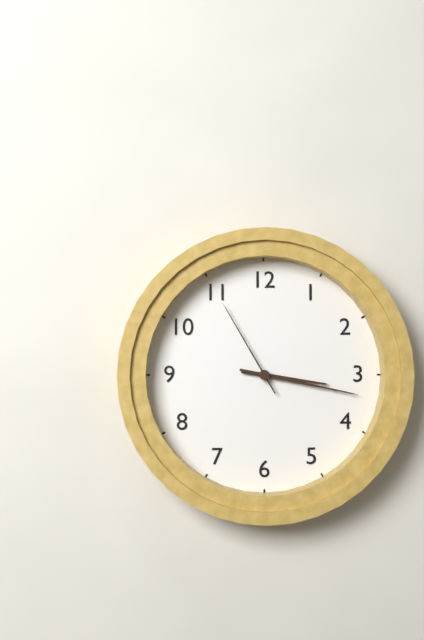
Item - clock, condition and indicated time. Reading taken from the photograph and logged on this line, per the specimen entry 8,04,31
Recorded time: 3,17,55
